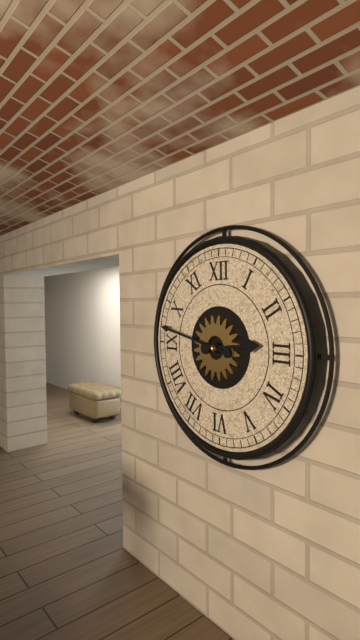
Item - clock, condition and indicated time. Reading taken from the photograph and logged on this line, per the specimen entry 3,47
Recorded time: 2,47
